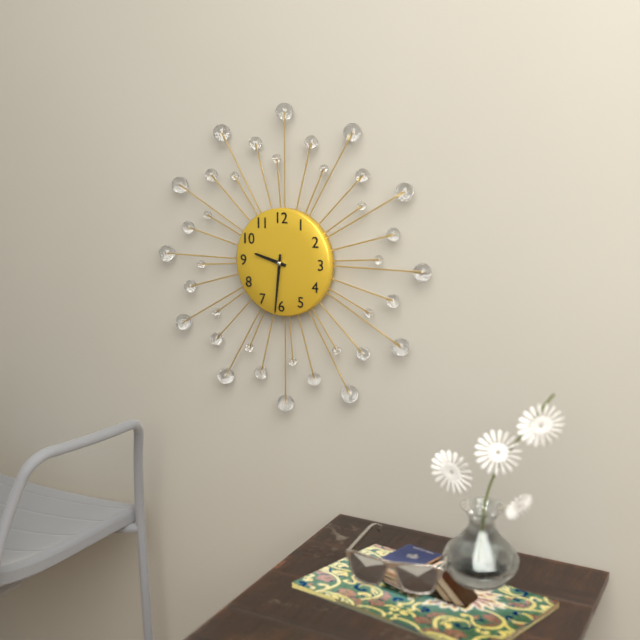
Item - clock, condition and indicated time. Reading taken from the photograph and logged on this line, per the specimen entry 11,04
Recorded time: 9,31
